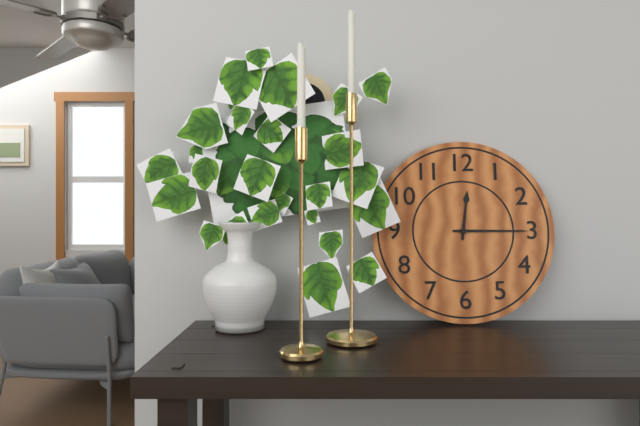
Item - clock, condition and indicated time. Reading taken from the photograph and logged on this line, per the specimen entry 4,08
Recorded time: 12,15
